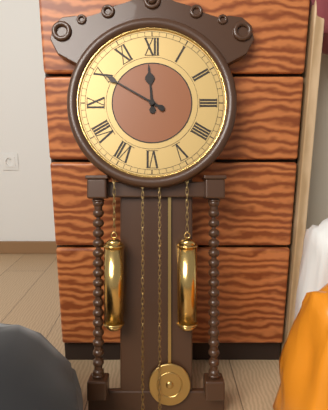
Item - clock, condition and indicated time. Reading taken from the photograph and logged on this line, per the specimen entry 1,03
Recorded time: 11,50
